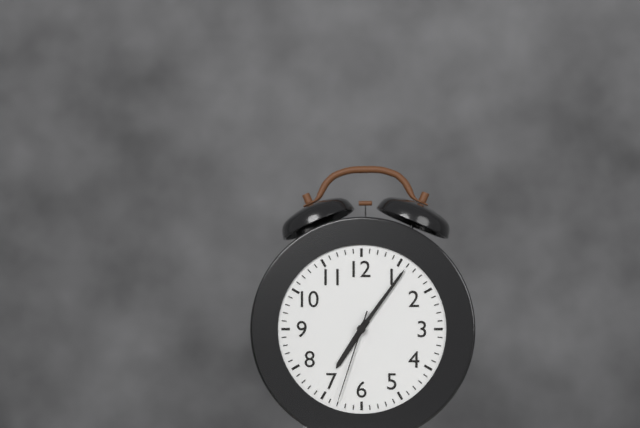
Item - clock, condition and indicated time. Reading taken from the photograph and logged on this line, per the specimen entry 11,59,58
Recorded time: 7,06,33
